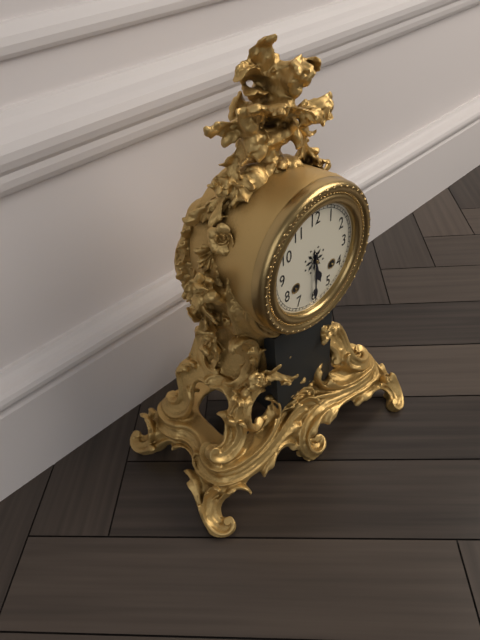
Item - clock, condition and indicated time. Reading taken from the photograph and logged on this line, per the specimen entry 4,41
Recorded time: 5,30
